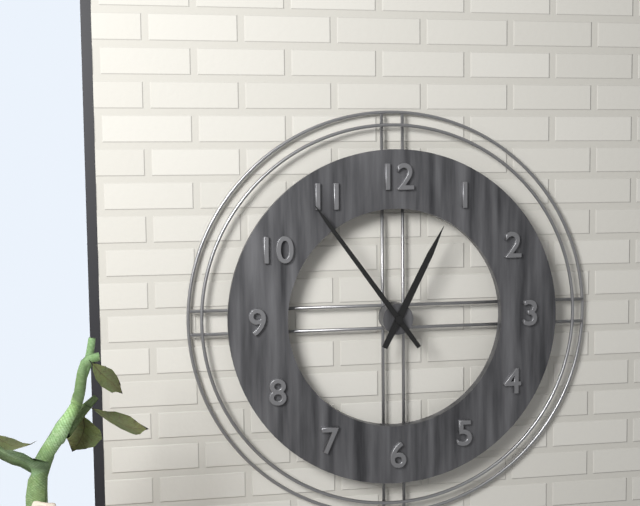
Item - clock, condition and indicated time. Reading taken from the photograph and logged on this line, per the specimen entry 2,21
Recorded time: 12,54
